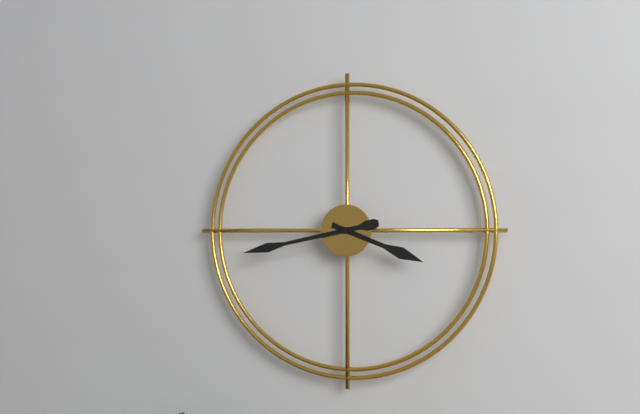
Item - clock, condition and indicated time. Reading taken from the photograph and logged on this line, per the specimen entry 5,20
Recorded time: 3,43
